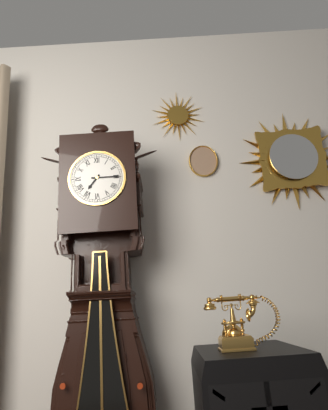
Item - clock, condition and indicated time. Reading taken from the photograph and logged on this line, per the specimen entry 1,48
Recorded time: 7,15
